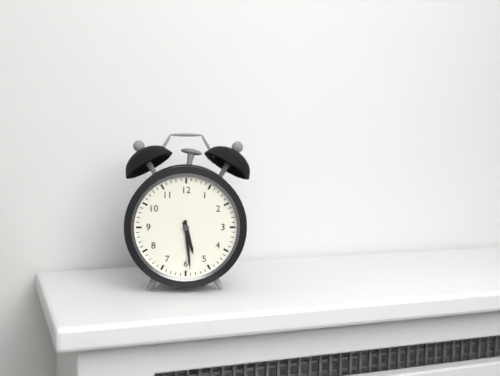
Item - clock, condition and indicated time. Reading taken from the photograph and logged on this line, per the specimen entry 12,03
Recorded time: 5,29
